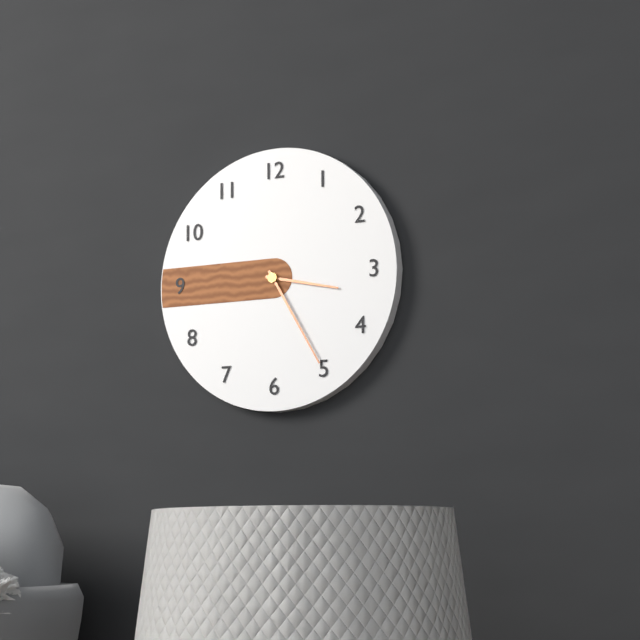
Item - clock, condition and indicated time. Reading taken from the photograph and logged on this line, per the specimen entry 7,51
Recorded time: 3,25
